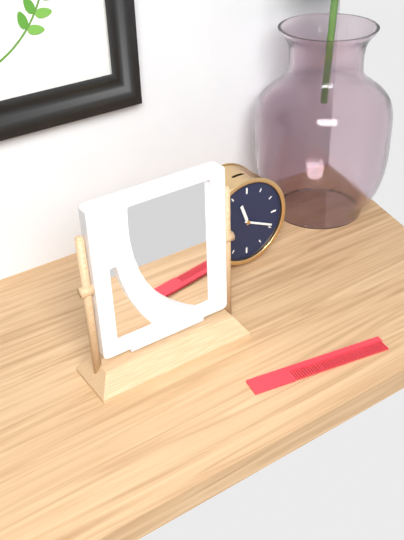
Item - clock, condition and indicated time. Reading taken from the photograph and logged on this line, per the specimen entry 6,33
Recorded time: 11,19
